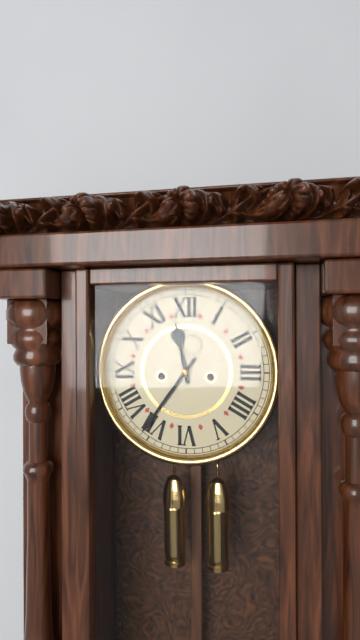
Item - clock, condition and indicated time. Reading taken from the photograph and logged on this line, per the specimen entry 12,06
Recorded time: 11,36
